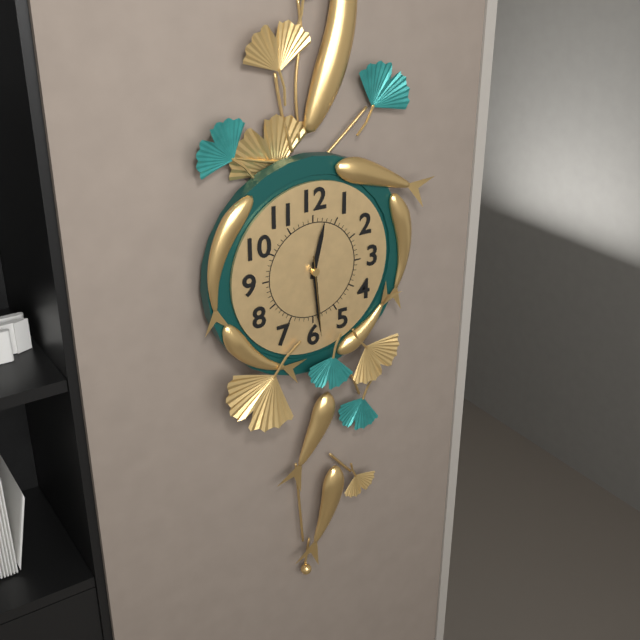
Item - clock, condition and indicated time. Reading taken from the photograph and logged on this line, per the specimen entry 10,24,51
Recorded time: 12,29,29
